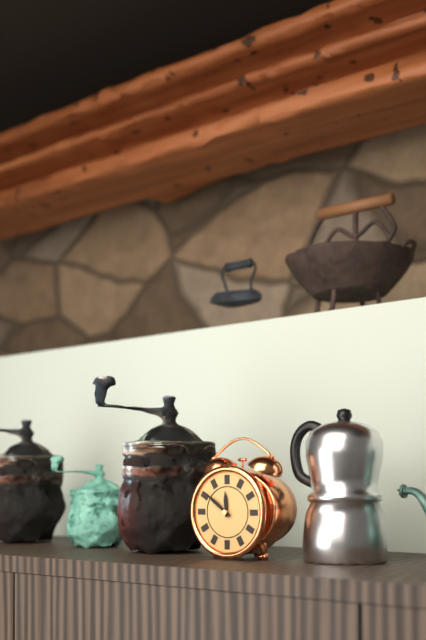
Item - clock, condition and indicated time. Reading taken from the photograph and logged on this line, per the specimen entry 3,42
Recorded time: 11,51
